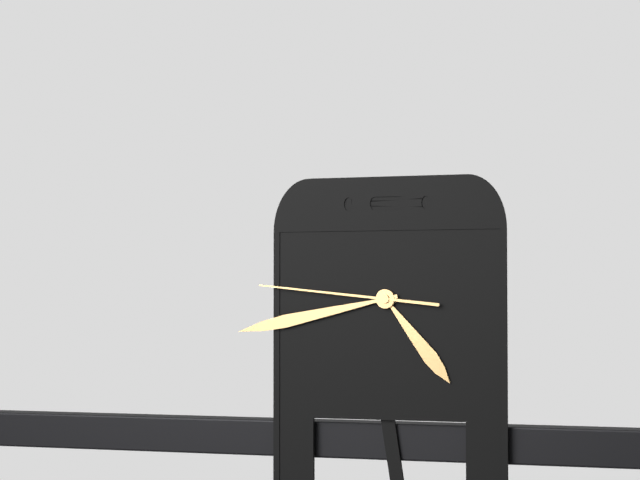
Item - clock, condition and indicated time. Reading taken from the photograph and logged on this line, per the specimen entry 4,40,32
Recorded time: 4,43,46
